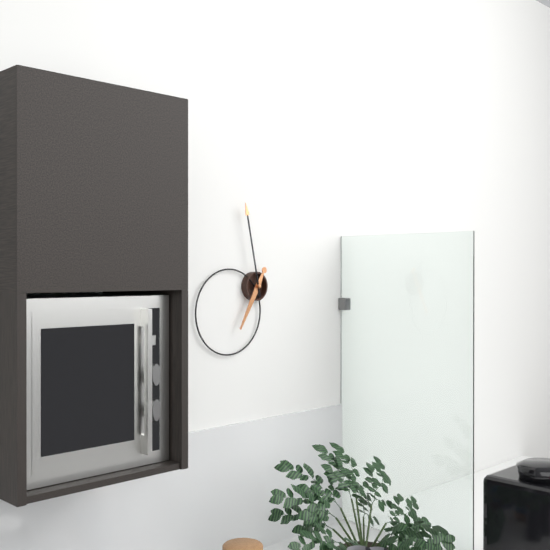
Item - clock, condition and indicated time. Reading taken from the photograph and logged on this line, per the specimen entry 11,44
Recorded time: 6,58
